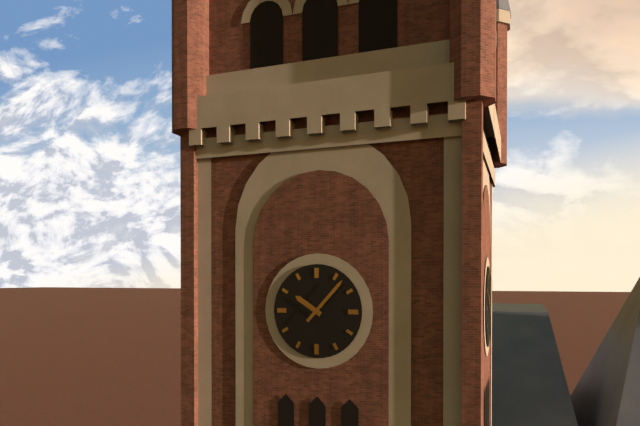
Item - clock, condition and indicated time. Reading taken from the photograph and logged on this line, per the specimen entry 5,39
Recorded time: 10,07
